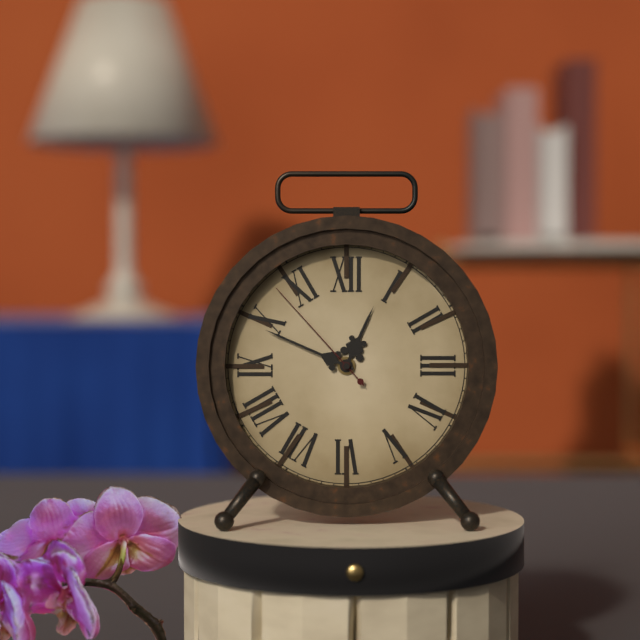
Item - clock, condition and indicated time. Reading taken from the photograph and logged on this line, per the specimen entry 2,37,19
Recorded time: 12,49,53
